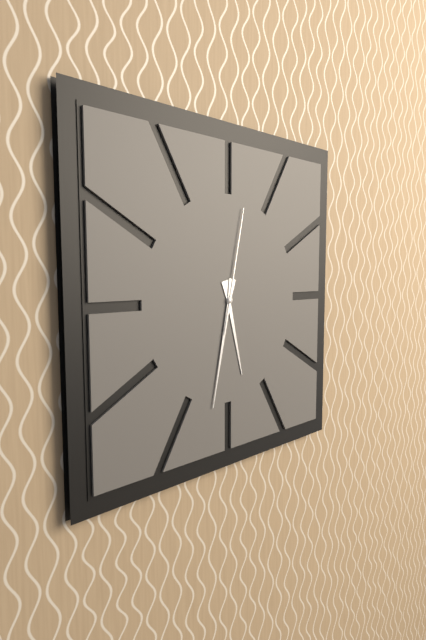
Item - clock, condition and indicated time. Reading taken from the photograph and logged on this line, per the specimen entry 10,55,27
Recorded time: 5,32,02
